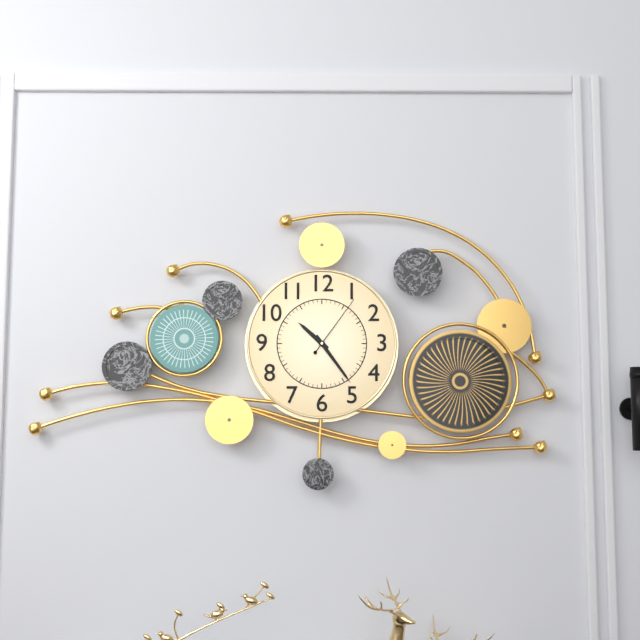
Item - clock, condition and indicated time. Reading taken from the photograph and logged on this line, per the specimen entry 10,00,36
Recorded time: 10,24,06
